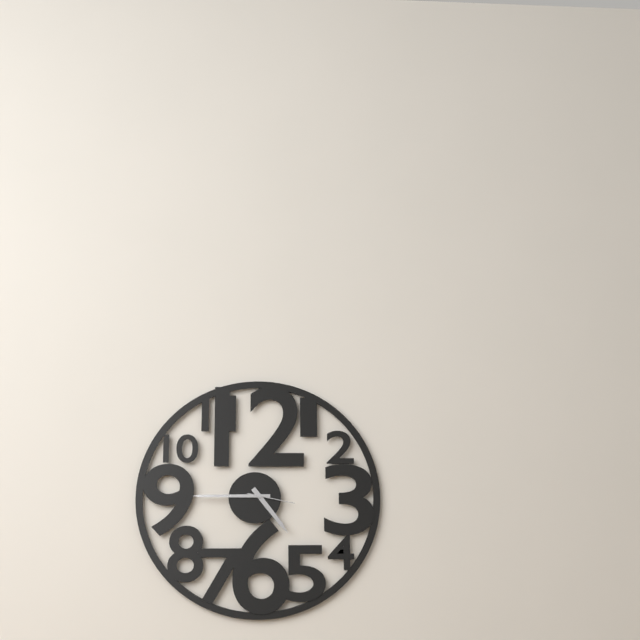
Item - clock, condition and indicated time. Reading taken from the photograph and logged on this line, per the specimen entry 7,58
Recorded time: 4,45
